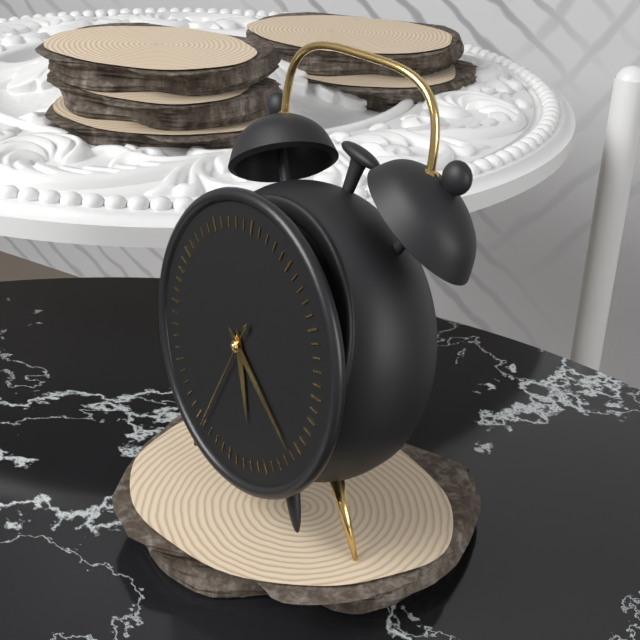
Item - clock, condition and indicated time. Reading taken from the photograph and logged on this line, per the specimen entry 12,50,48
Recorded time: 5,21,34
